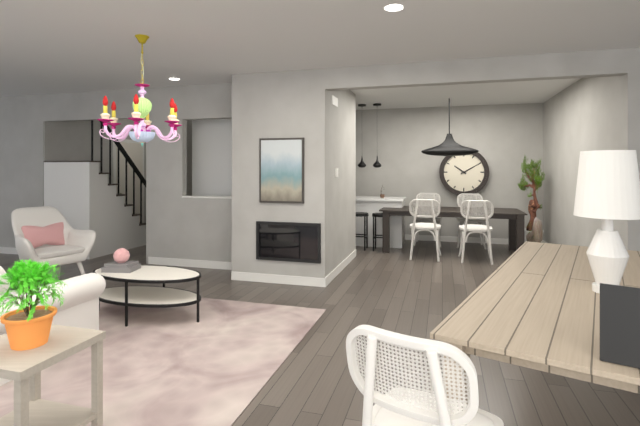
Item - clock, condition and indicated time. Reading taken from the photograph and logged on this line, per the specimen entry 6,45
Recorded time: 10,10
